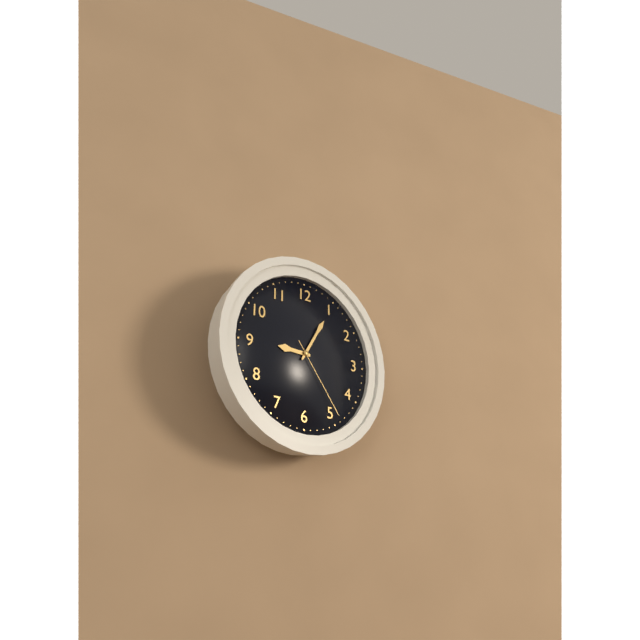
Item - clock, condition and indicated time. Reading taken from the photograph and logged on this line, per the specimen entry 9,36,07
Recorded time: 9,05,24
